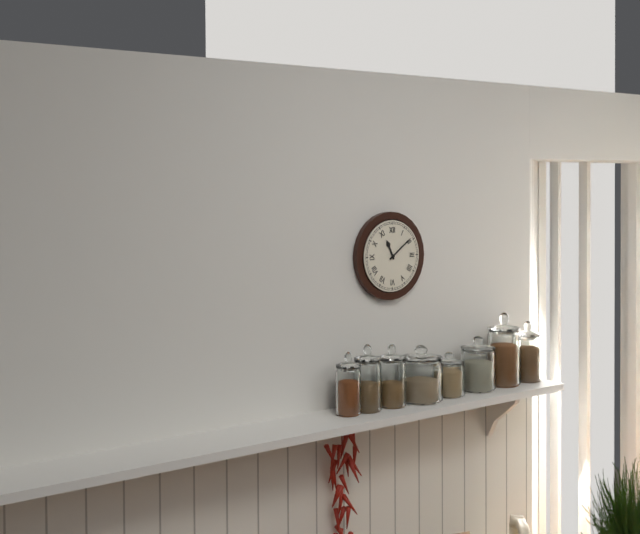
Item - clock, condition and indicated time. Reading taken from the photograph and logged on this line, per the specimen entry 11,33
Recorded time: 11,09
